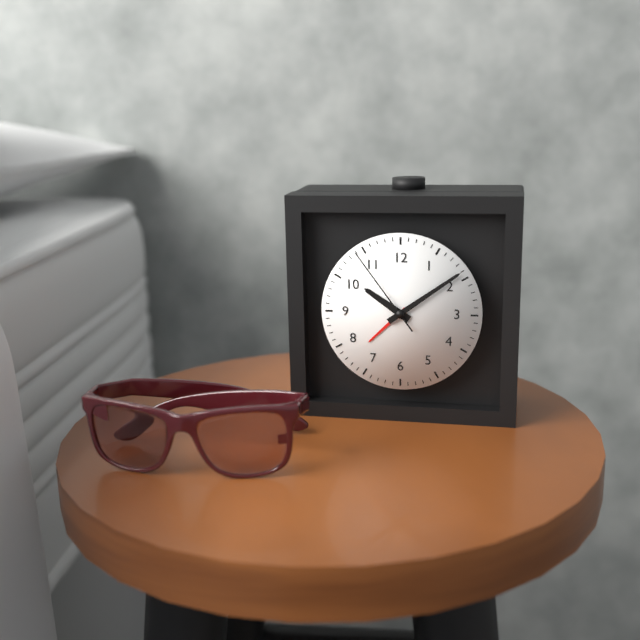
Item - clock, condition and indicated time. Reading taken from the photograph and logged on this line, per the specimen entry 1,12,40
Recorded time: 10,09,54
